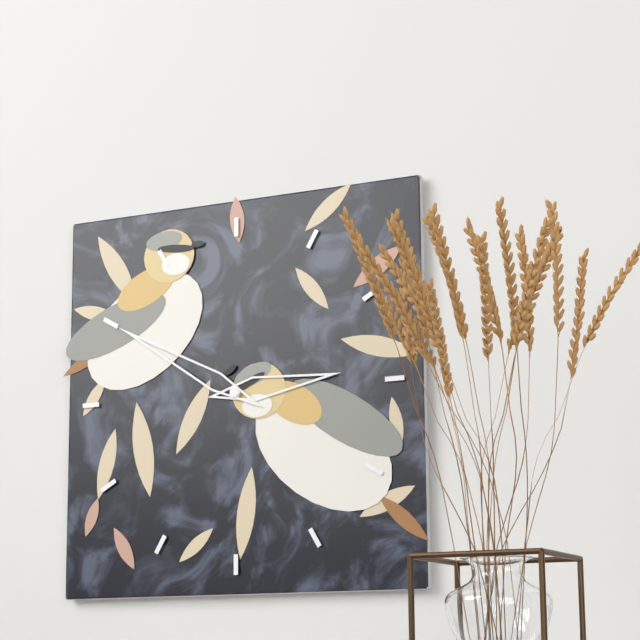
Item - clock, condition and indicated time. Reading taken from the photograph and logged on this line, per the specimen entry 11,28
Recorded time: 2,50
